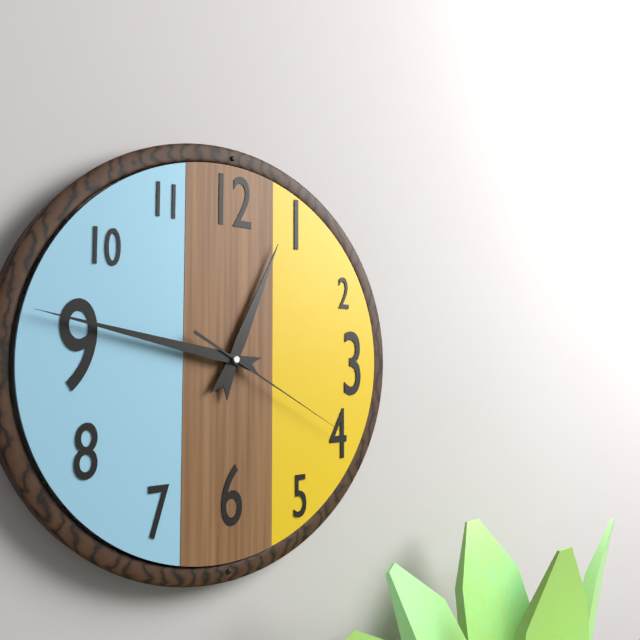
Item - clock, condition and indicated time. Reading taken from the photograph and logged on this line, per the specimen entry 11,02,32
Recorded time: 12,47,20
